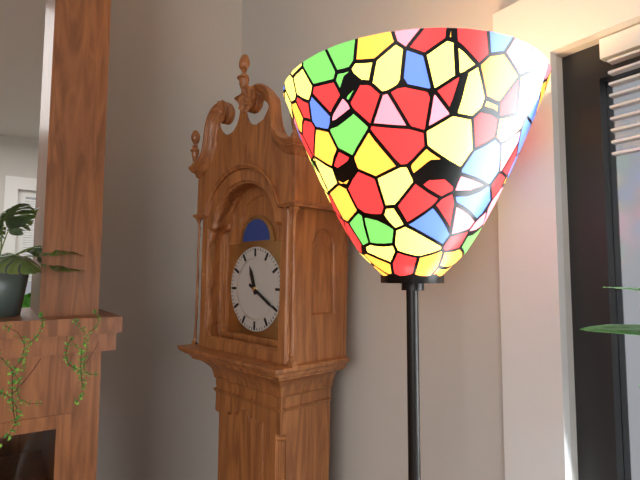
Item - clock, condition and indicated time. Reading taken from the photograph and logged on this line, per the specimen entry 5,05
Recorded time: 11,20
